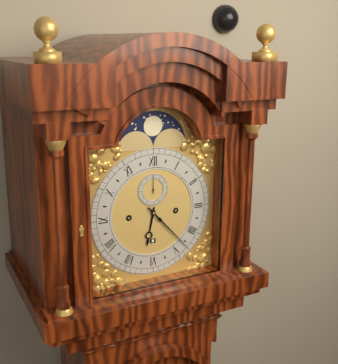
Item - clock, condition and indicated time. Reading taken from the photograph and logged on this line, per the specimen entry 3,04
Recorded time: 6,23
